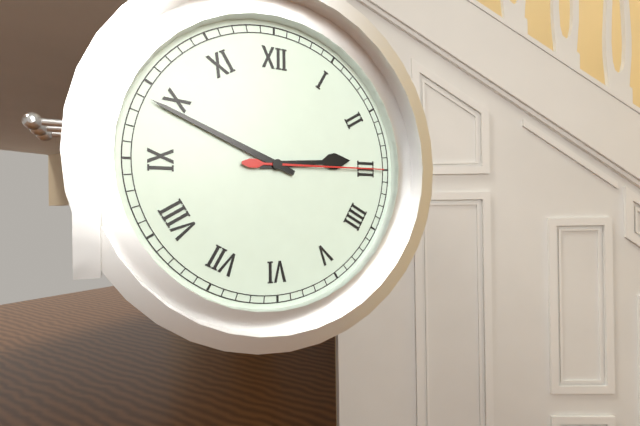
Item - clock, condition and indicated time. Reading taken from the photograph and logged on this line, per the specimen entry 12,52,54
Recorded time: 2,49,15
